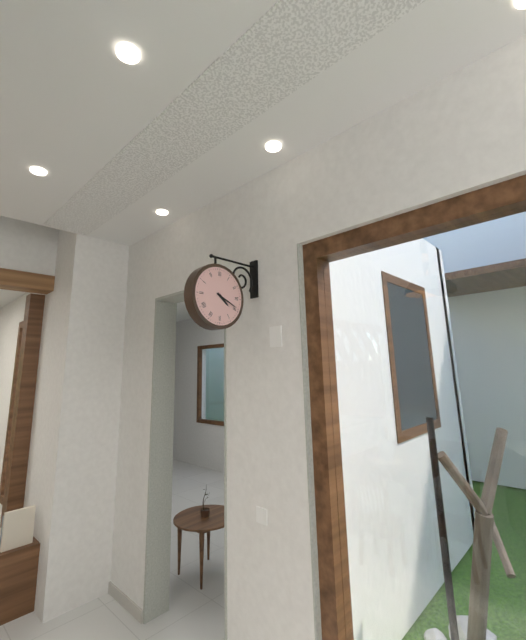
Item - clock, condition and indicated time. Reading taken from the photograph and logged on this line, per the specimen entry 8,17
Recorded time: 4,19
